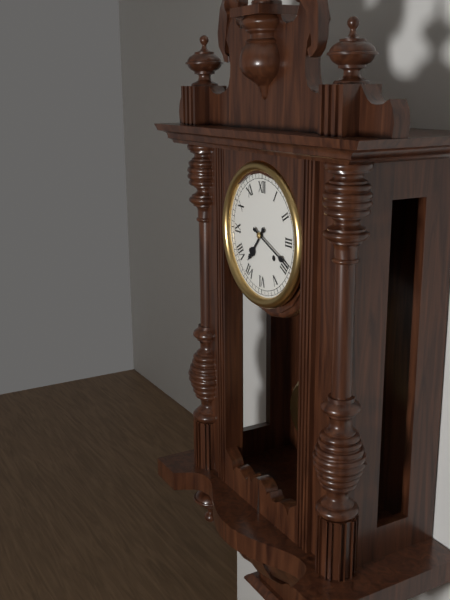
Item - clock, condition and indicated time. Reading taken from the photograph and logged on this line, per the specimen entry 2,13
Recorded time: 7,19
